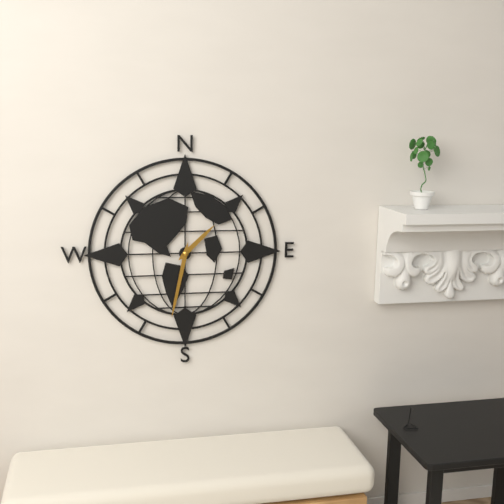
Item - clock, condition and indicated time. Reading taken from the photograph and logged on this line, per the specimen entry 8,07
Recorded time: 1,32
